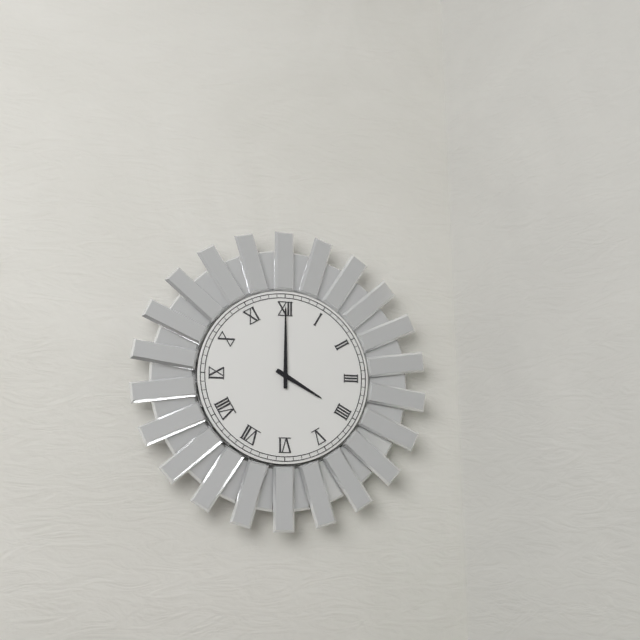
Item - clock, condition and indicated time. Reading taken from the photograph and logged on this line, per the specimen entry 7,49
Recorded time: 4,00
